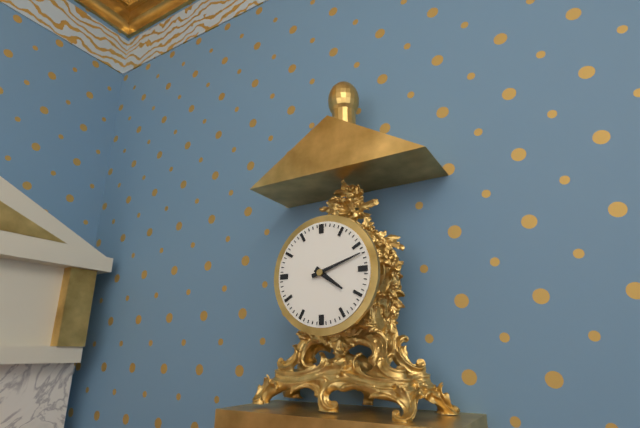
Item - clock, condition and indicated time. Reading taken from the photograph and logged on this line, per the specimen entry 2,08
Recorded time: 4,12
